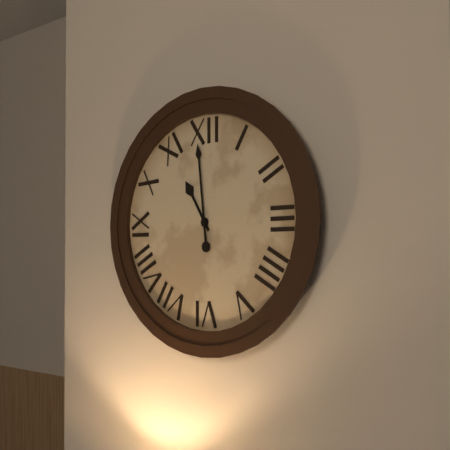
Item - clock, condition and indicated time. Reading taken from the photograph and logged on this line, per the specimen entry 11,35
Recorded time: 10,59
